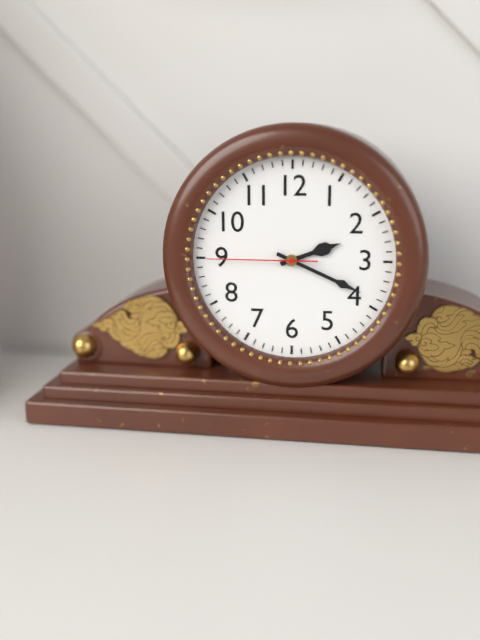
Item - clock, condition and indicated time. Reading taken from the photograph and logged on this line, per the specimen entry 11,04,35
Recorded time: 2,19,45
